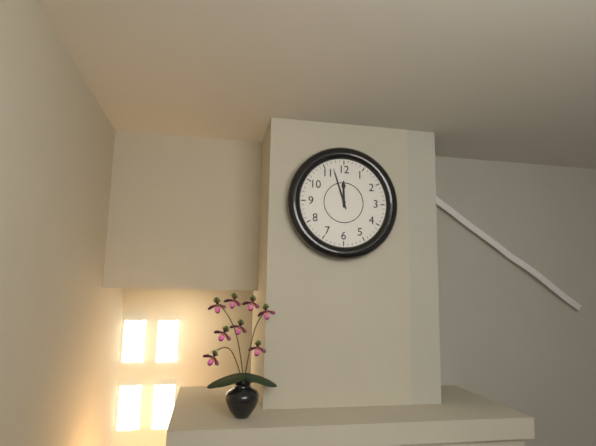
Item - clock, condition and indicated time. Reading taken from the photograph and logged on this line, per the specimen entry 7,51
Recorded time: 11,57
